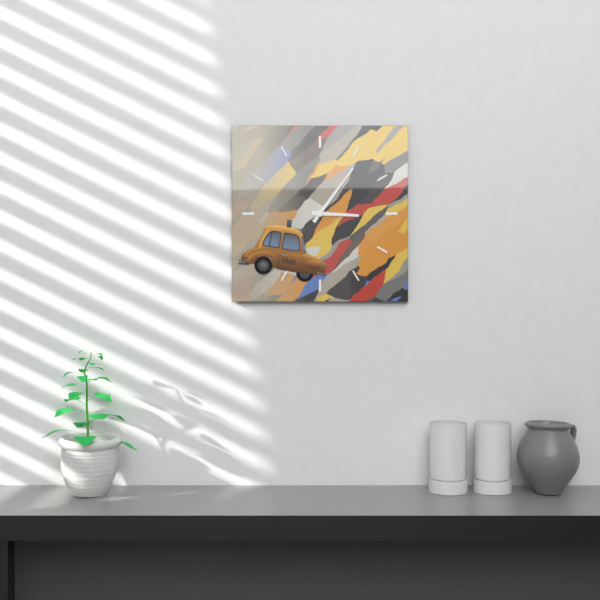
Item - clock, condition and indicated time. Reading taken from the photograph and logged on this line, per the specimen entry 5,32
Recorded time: 3,06
